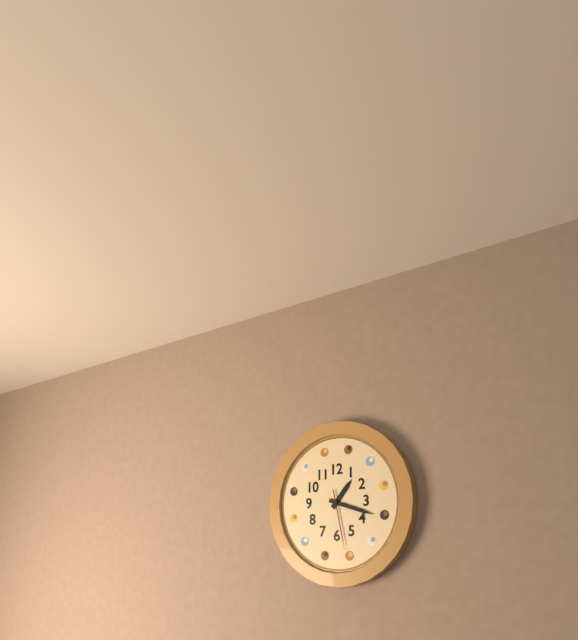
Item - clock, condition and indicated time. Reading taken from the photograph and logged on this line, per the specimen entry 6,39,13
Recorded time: 1,18,28
